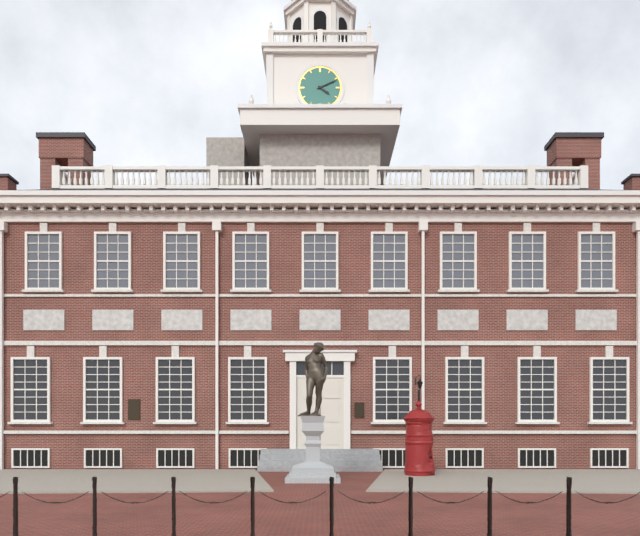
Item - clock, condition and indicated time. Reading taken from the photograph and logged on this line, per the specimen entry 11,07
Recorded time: 4,11
